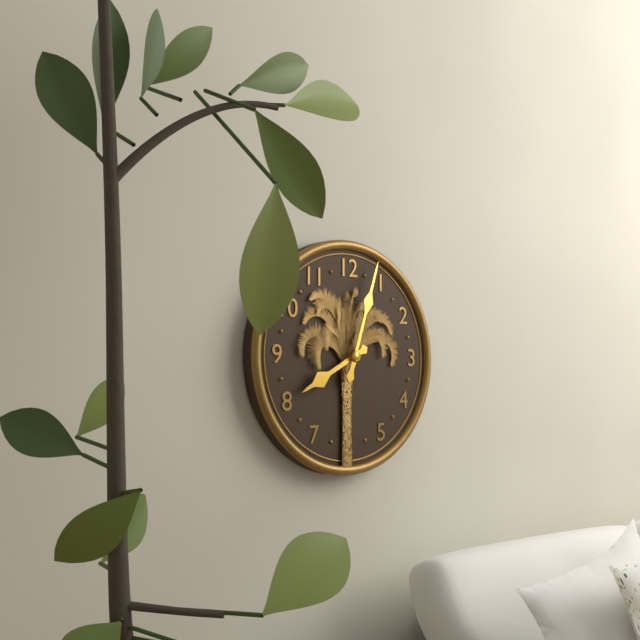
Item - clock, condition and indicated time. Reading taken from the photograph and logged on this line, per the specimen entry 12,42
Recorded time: 8,03
